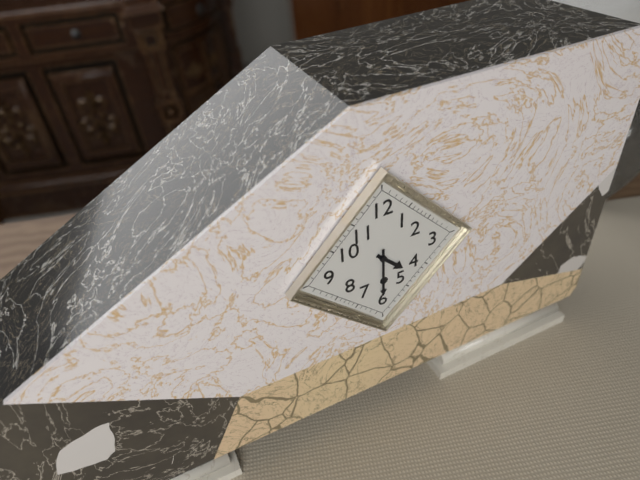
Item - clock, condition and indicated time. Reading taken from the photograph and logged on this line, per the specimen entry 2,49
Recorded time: 4,30
